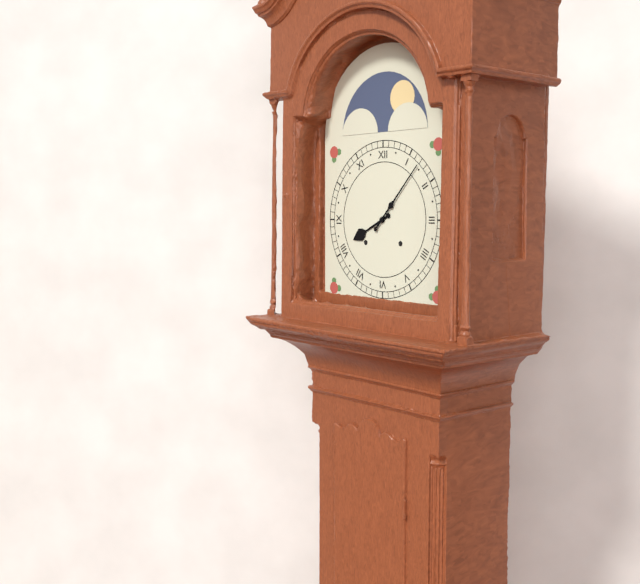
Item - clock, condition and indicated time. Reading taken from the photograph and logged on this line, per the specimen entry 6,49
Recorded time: 8,07
